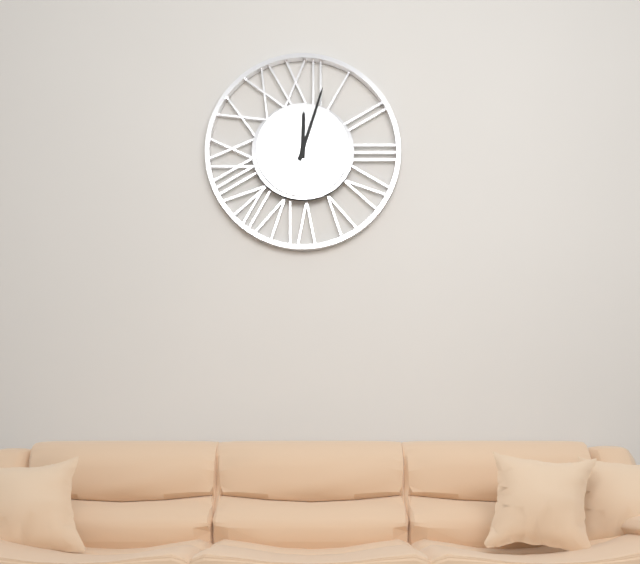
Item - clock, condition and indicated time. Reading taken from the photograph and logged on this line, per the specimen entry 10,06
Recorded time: 12,03
